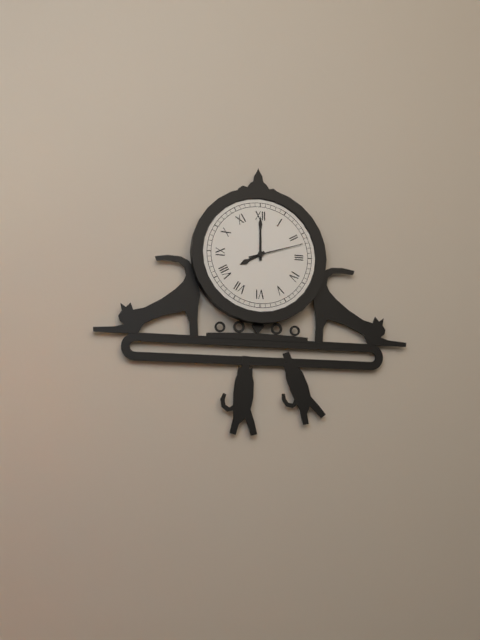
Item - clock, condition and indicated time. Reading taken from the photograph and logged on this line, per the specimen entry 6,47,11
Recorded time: 8,00,12
